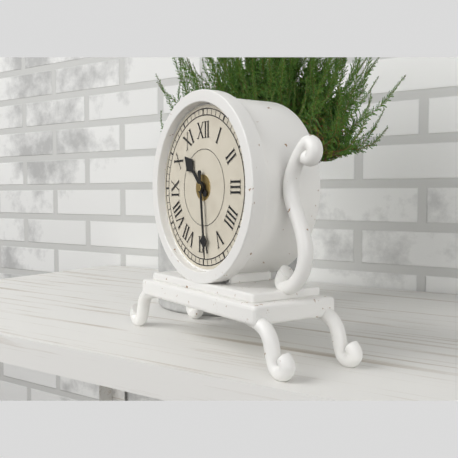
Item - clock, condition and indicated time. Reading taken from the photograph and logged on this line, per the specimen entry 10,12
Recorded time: 10,29
